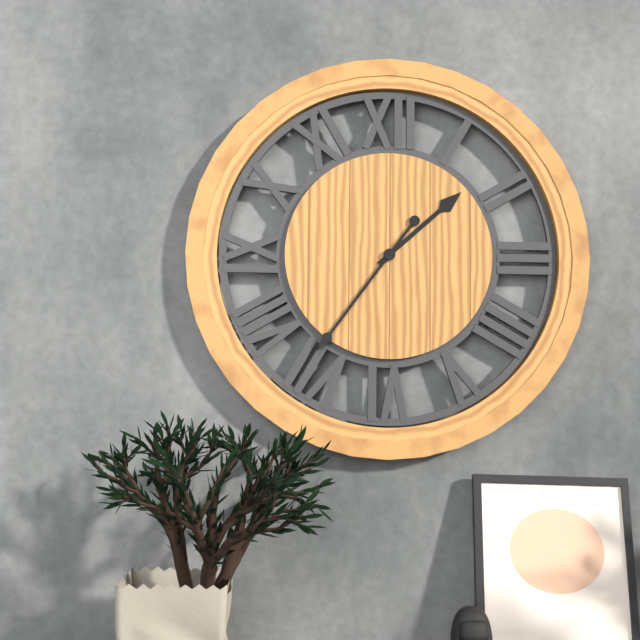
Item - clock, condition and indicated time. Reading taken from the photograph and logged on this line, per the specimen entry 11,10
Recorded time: 1,36
